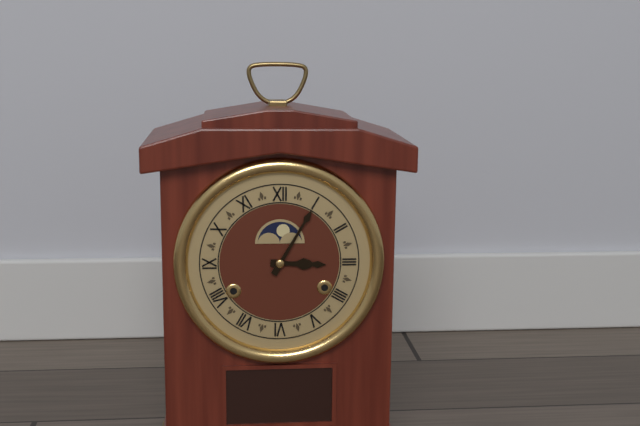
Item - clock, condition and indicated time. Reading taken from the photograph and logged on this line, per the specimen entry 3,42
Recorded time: 3,05
